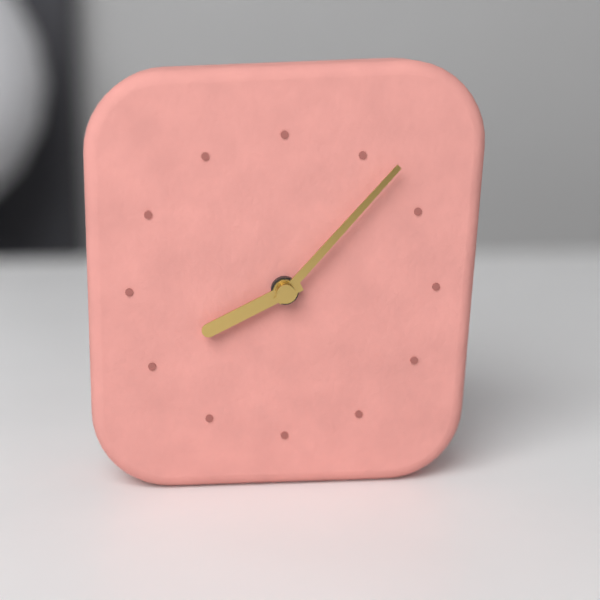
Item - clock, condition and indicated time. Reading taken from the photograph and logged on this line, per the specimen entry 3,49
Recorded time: 8,07
